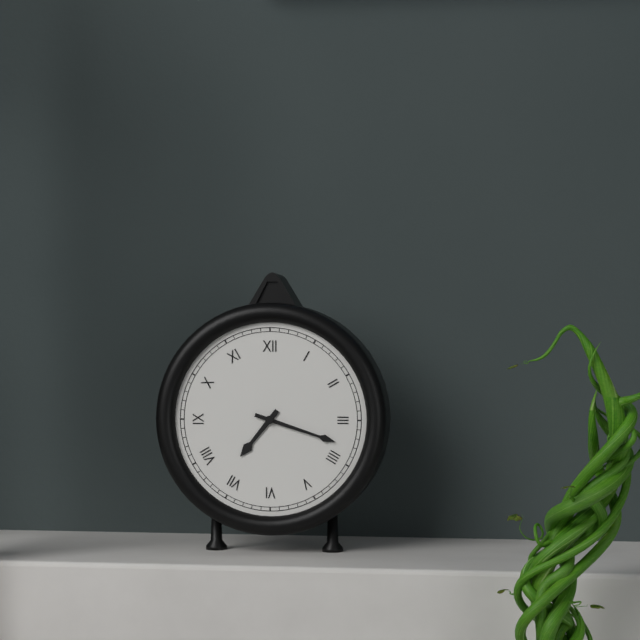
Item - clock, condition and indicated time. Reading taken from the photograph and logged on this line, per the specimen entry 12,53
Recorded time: 7,18
